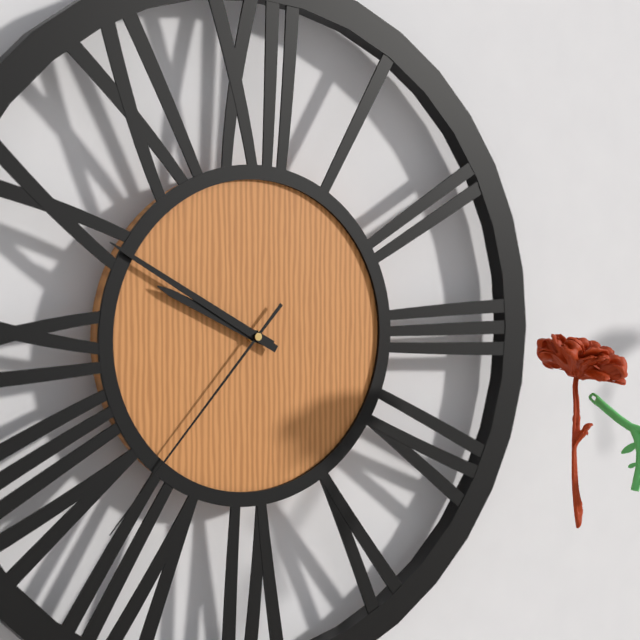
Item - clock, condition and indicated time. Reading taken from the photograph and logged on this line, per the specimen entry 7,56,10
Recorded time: 9,50,37
